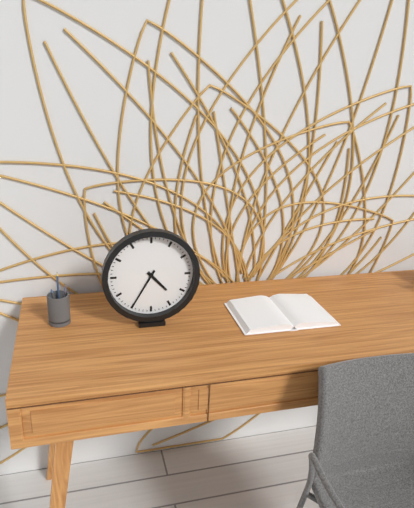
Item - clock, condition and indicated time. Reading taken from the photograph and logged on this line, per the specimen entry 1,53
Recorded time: 4,35
